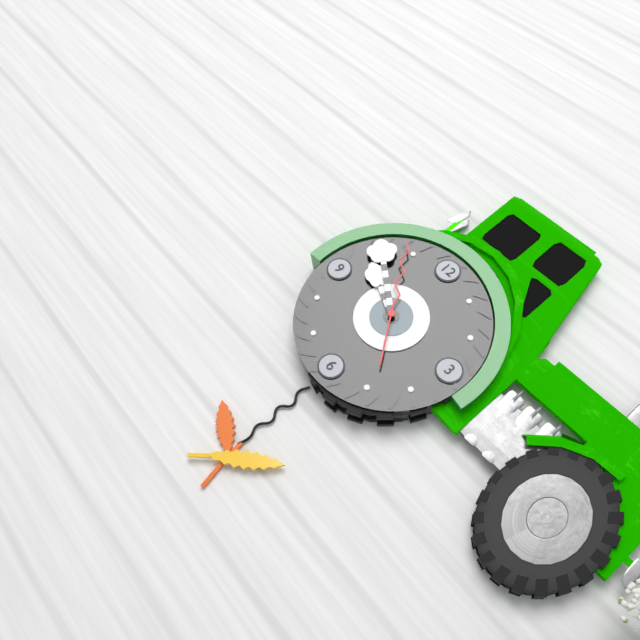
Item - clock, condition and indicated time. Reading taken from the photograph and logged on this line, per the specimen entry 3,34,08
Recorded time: 9,51,54
